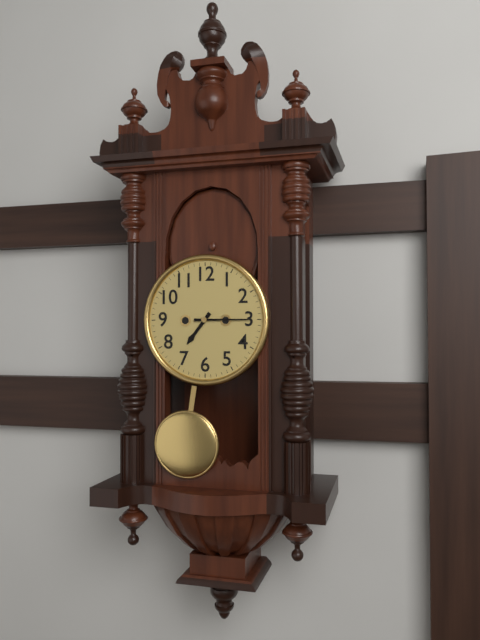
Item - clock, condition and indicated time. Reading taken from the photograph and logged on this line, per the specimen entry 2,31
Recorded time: 7,15
